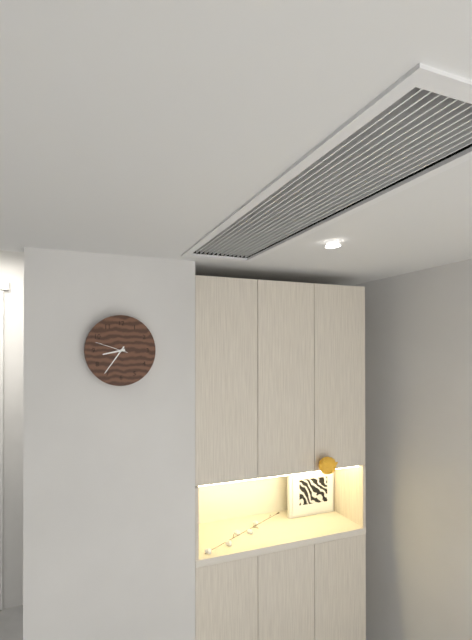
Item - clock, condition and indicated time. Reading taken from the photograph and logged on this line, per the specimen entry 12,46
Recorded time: 8,36
